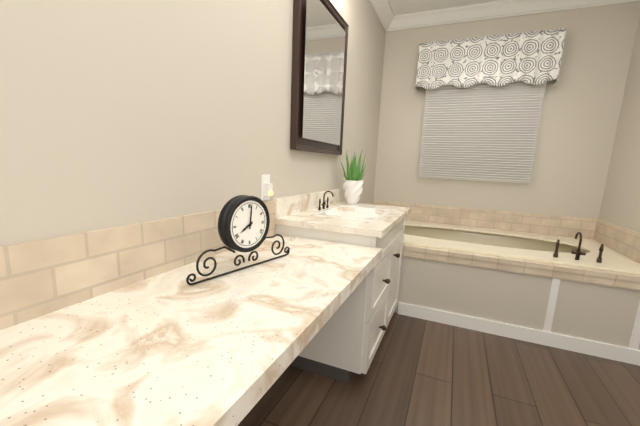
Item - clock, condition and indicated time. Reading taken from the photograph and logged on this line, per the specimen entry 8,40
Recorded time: 8,01
